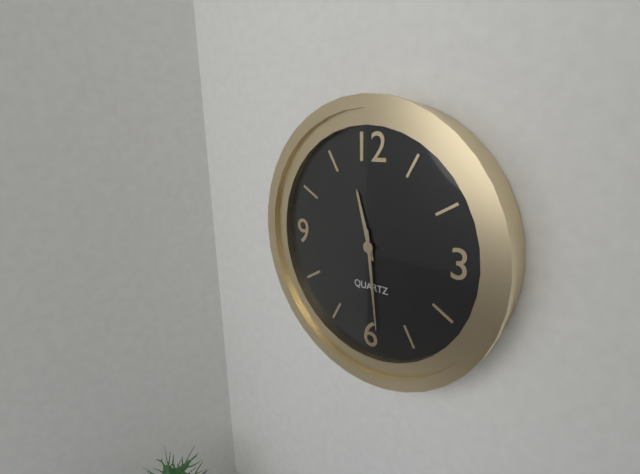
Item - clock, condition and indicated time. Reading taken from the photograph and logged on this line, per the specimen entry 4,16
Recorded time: 11,29
